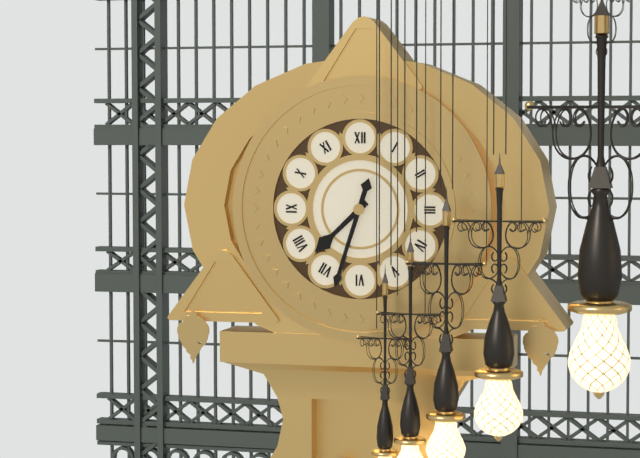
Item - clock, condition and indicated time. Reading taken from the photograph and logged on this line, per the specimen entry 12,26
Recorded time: 7,33
